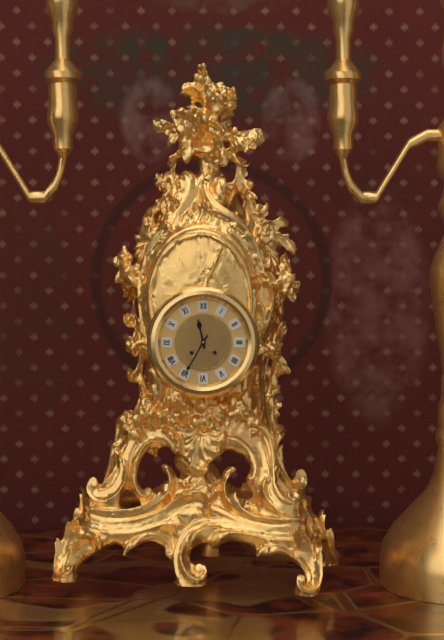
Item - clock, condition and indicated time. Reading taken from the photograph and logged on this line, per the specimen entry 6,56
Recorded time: 11,35
